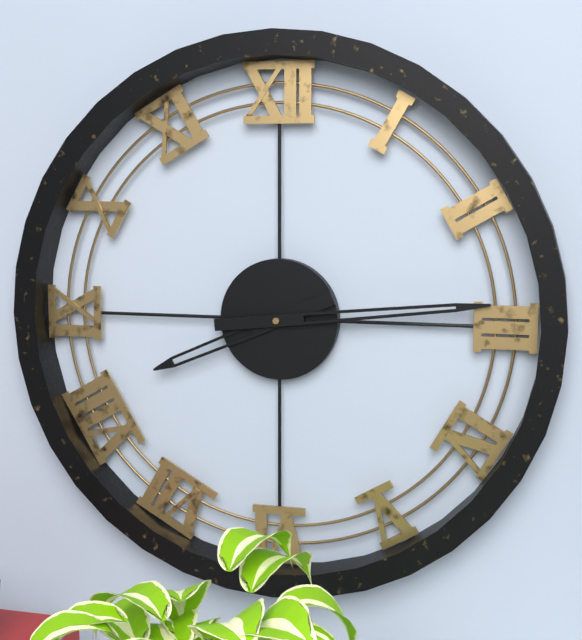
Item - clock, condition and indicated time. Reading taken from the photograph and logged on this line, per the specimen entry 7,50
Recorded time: 8,14
